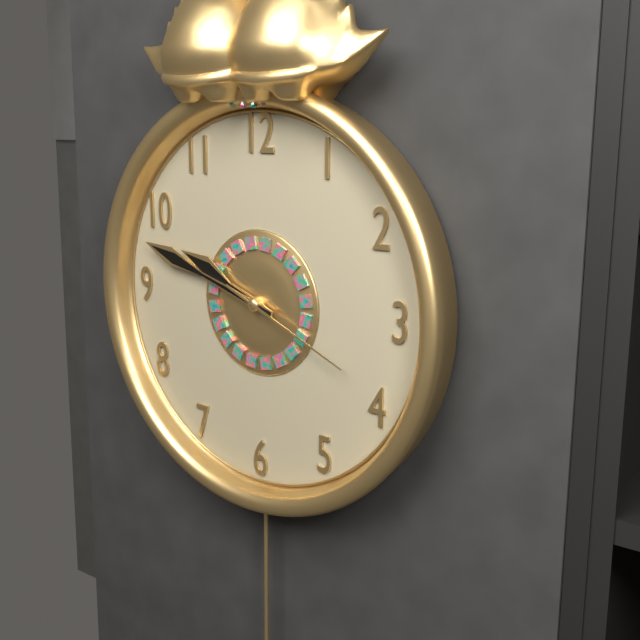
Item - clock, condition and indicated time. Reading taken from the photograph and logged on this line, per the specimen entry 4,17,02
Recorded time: 9,48,19
